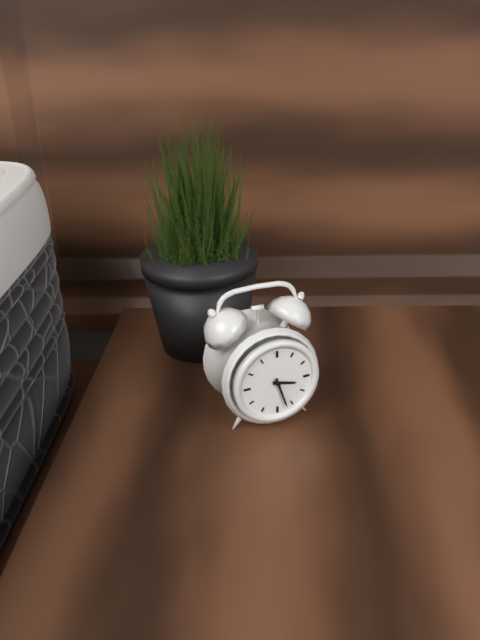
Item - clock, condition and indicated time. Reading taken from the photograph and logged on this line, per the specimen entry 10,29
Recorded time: 3,27
